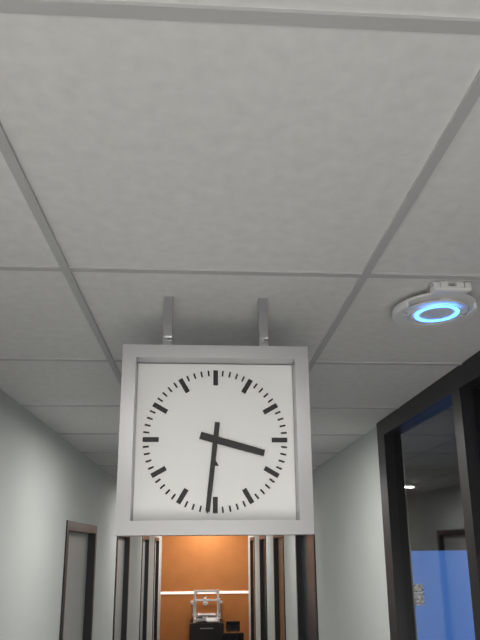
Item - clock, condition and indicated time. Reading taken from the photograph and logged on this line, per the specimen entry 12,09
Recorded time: 3,31
